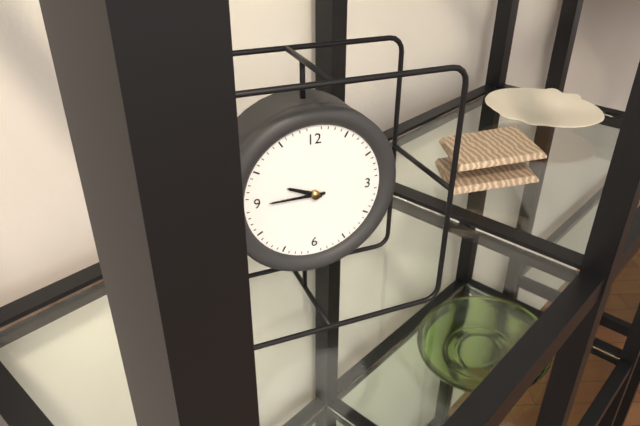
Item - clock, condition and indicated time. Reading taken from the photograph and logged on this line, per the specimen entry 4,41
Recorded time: 9,45
